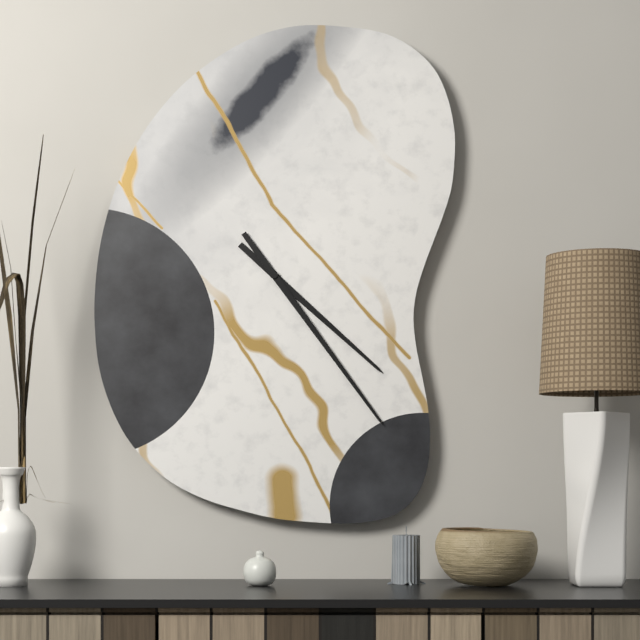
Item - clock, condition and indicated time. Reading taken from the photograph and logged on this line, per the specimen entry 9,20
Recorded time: 4,24
